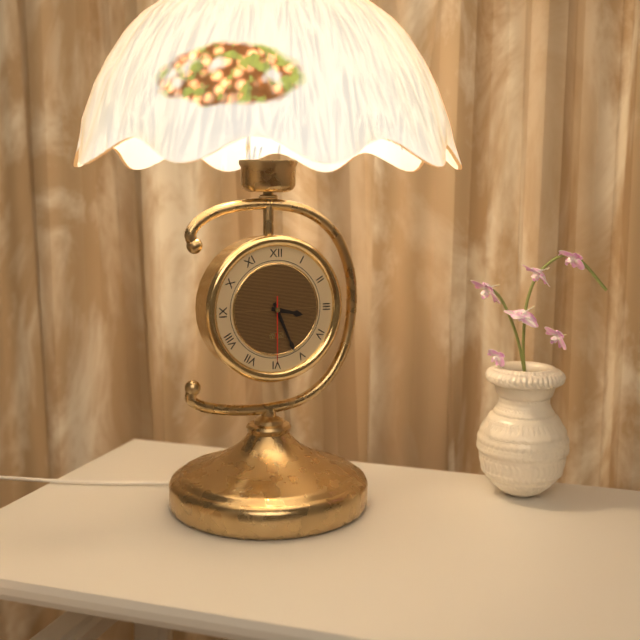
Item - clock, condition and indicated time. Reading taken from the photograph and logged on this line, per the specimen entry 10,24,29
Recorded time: 3,26,30
